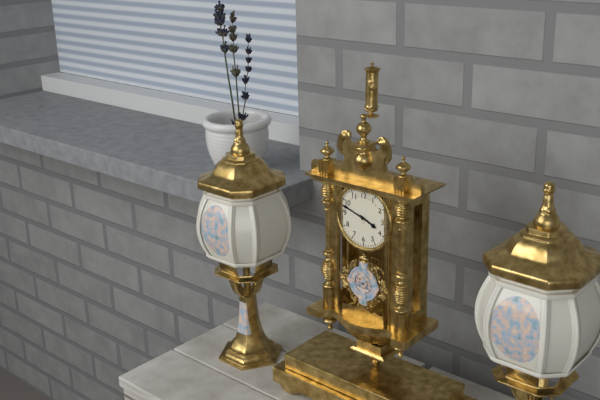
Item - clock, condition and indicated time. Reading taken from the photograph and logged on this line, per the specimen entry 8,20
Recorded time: 3,48
